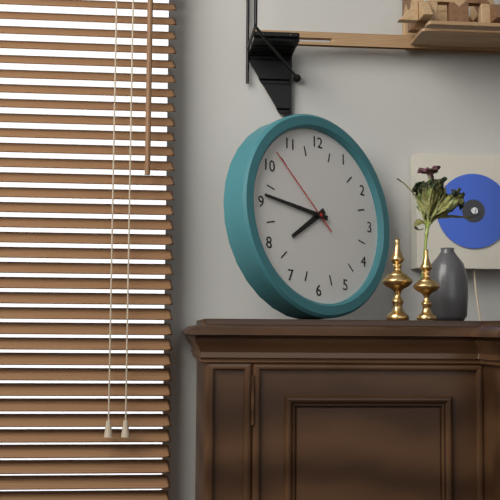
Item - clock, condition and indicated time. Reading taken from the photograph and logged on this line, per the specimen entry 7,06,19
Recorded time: 7,46,52
